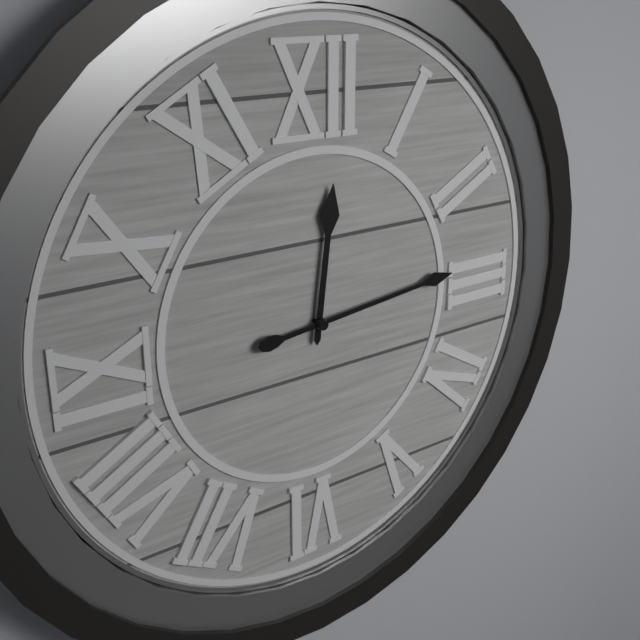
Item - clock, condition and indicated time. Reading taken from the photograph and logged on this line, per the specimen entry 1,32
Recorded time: 12,14
